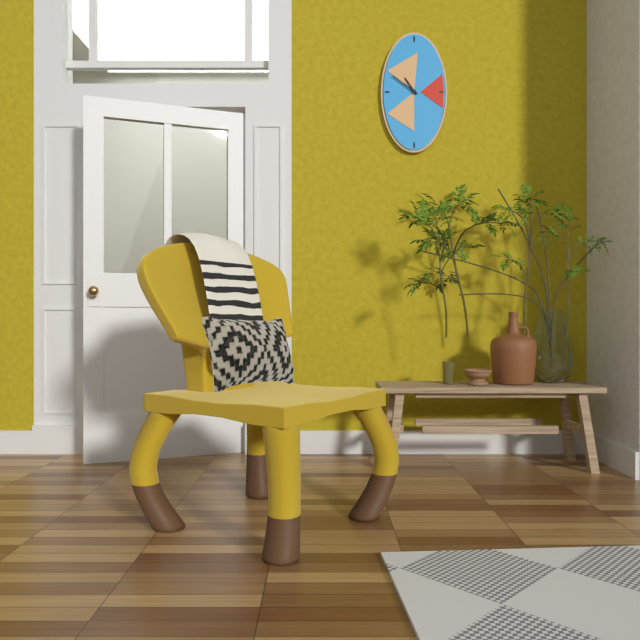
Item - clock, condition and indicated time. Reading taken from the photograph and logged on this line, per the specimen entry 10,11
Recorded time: 10,51
